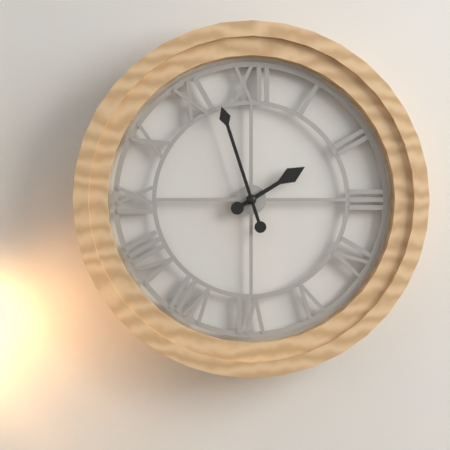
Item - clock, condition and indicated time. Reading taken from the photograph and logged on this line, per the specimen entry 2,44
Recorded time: 1,57
